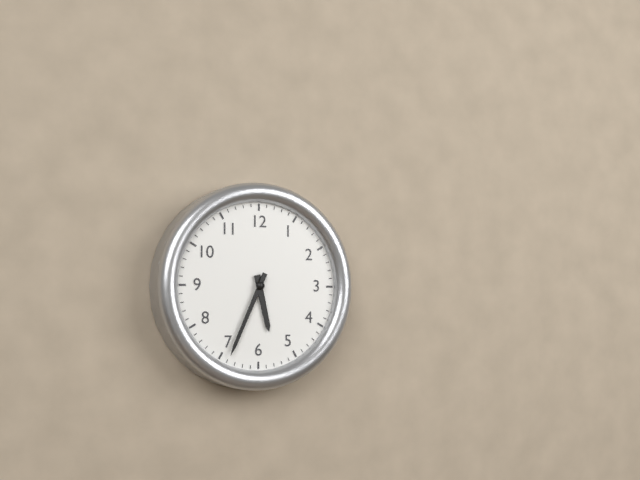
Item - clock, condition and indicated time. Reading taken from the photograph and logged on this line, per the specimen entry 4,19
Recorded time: 5,34
